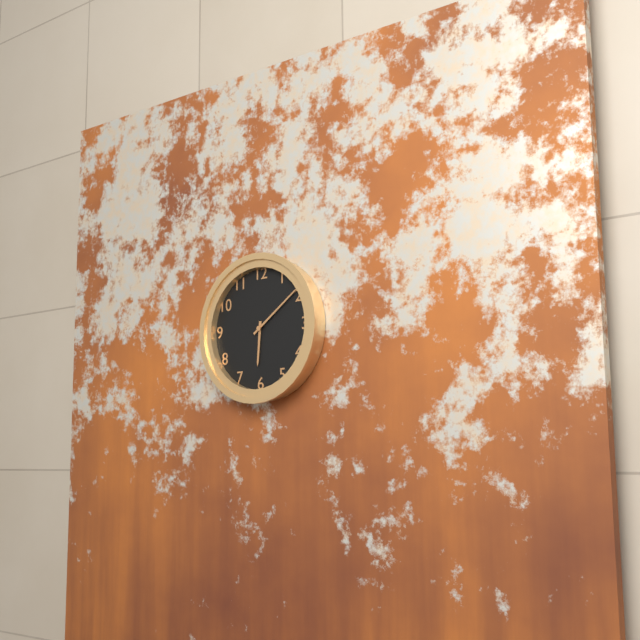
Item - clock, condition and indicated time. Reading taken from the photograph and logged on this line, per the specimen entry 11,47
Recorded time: 6,09
